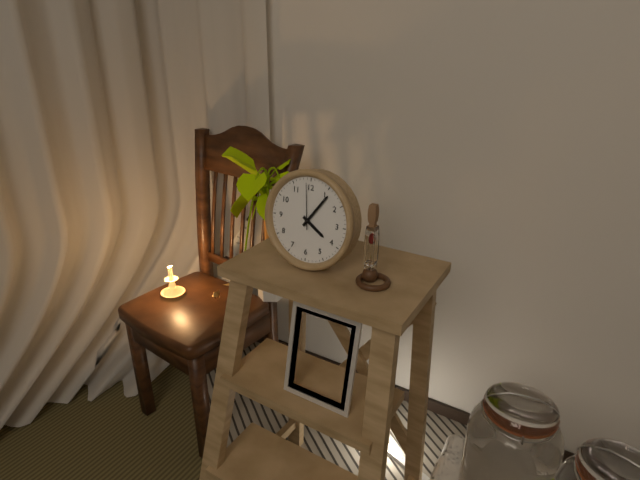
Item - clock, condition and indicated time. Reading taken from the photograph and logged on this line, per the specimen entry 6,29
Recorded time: 4,06
